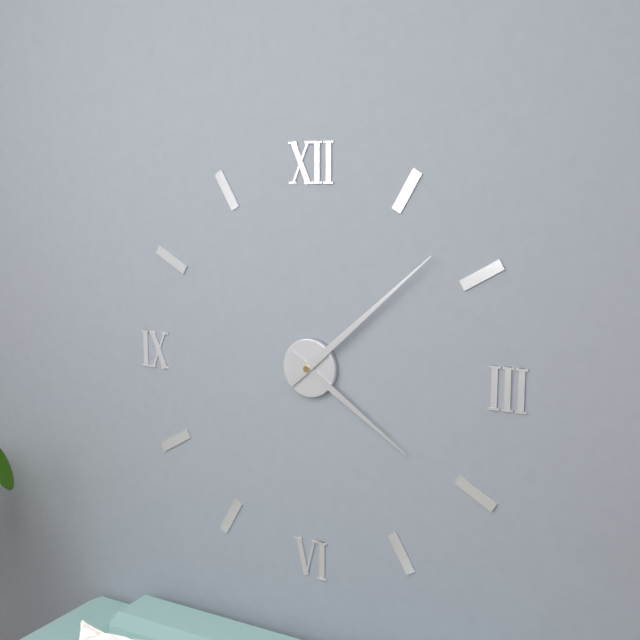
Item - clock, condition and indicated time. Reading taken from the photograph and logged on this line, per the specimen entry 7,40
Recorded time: 4,08
